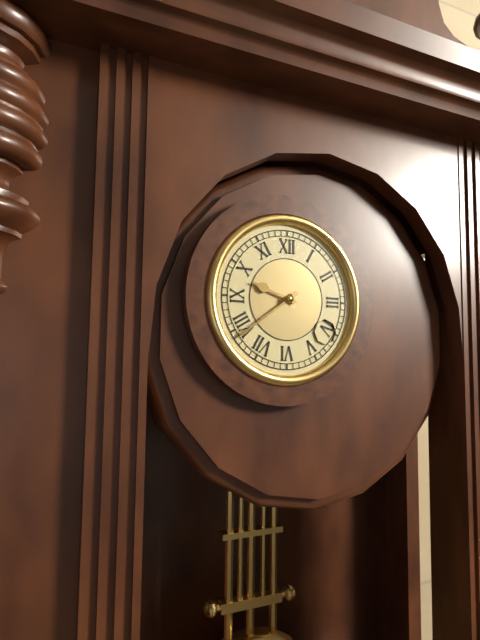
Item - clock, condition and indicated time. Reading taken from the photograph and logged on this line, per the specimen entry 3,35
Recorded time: 9,39
